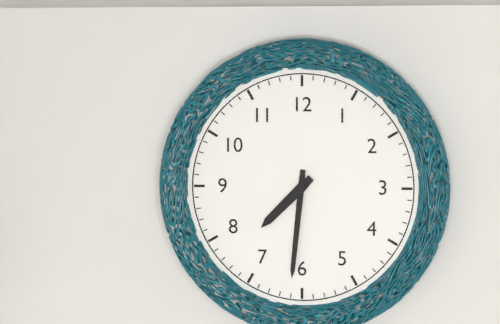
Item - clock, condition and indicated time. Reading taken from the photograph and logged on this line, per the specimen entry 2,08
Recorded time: 7,31
